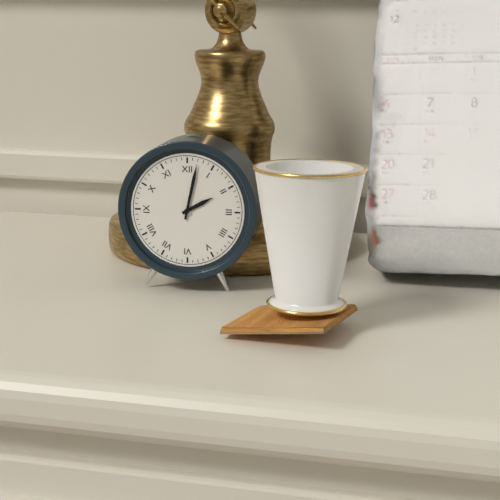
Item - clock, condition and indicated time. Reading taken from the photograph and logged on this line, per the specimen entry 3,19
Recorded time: 2,02
